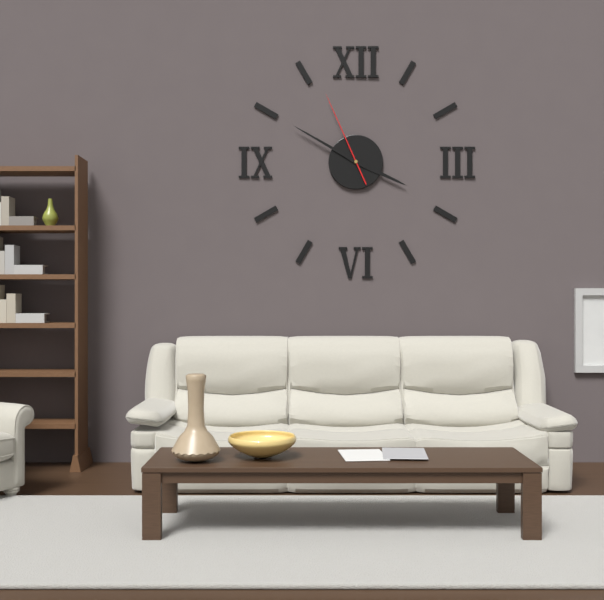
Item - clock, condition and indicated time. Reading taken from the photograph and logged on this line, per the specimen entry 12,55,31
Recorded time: 3,50,56
